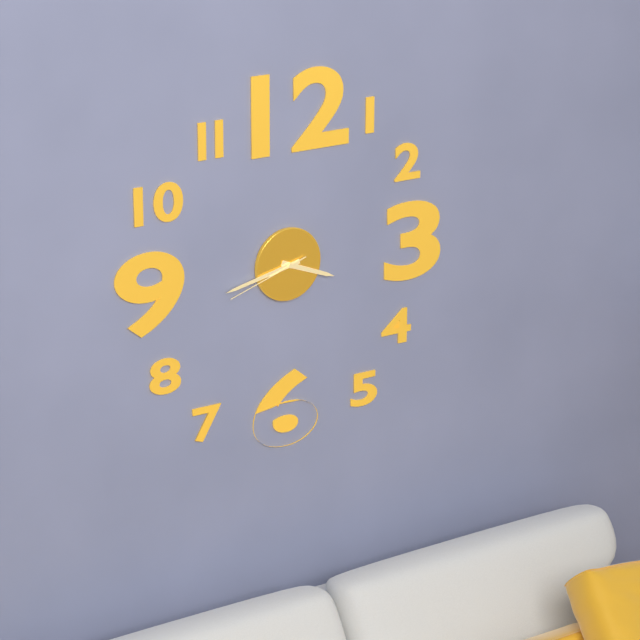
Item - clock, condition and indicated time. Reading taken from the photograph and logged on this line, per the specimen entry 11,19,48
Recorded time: 3,43,42
